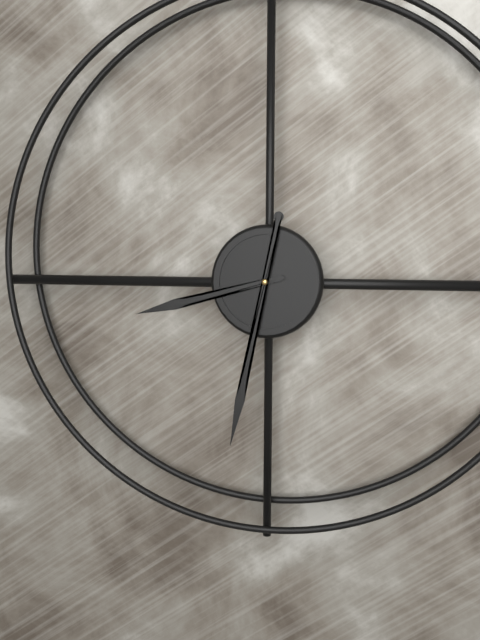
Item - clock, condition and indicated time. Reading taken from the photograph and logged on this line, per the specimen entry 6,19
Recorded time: 8,32
